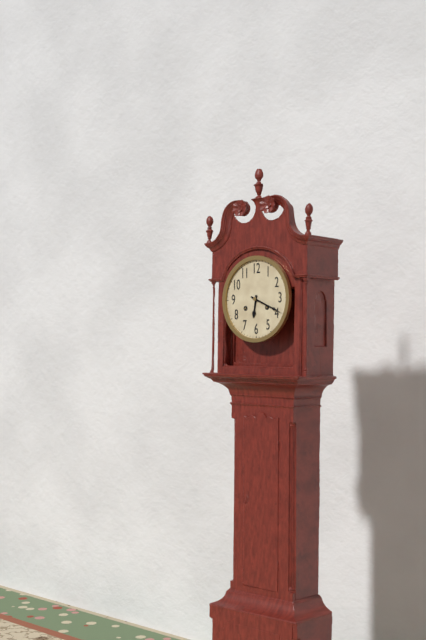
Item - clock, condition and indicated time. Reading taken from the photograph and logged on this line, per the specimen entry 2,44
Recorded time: 6,19
